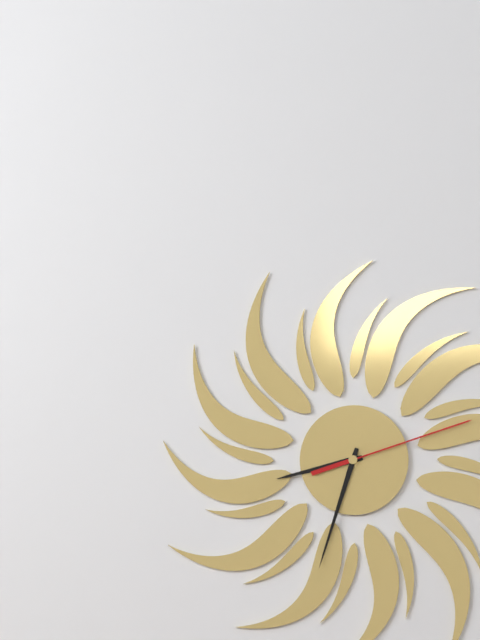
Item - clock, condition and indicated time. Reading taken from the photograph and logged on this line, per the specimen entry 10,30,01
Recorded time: 8,33,12
